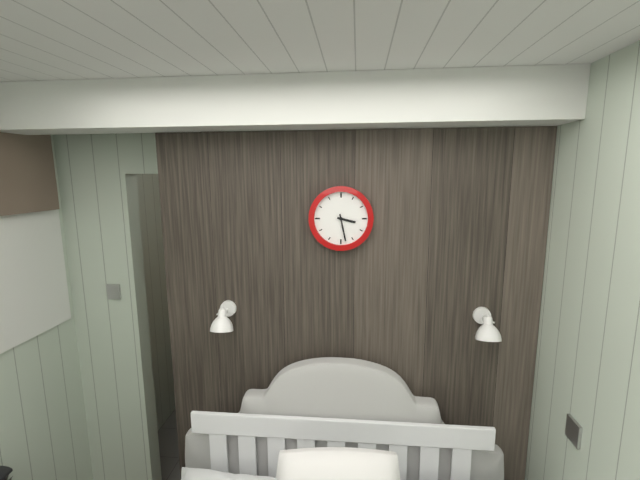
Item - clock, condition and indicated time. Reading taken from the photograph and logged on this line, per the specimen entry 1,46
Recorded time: 3,28
